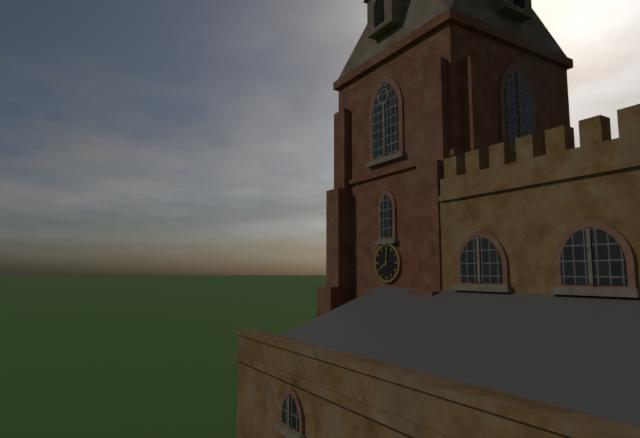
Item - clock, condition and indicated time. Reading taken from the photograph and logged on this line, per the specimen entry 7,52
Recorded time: 8,01
